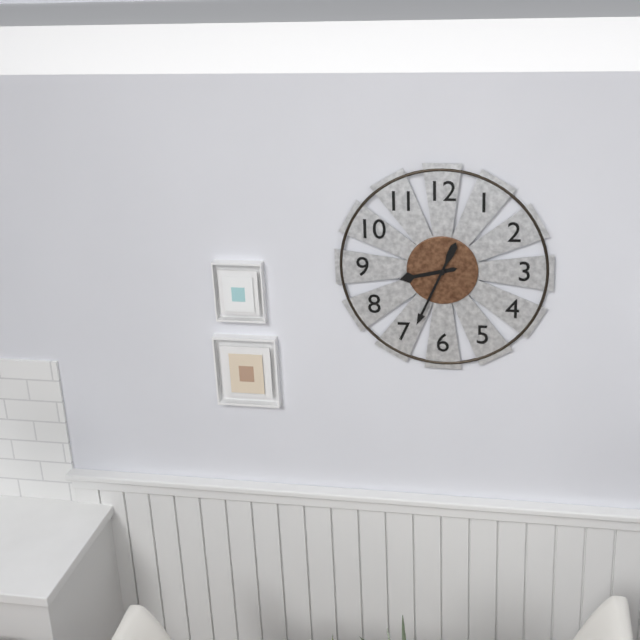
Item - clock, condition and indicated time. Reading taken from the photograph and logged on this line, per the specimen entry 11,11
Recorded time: 8,34
